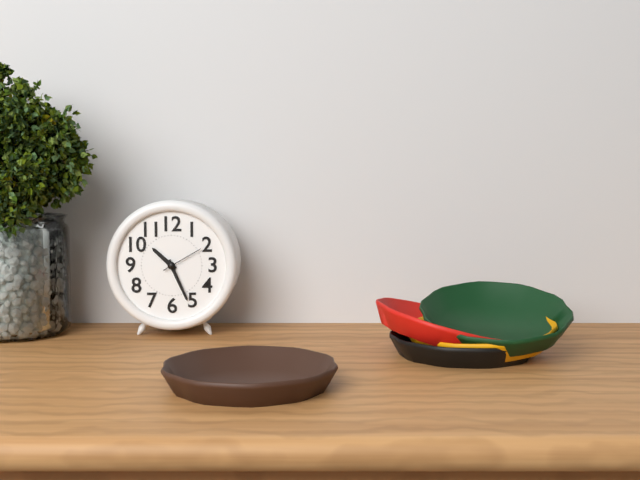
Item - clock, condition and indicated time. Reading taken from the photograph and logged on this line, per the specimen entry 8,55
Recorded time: 10,26
